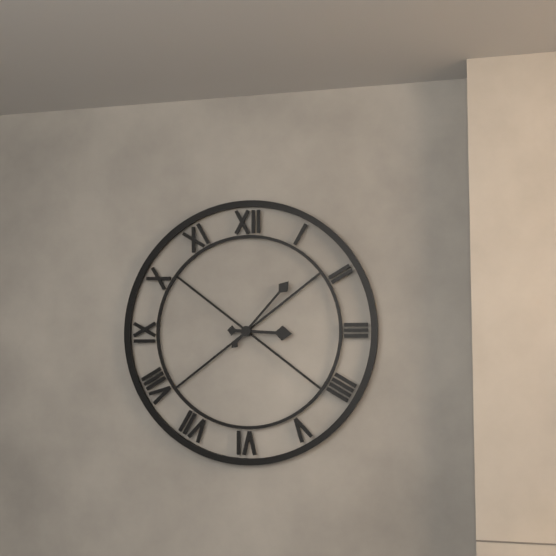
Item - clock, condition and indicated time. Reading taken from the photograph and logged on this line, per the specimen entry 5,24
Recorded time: 3,07
